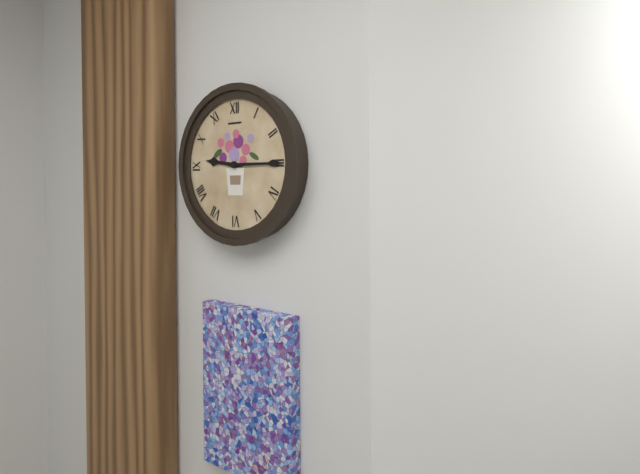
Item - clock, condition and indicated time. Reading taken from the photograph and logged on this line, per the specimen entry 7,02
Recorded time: 9,15
